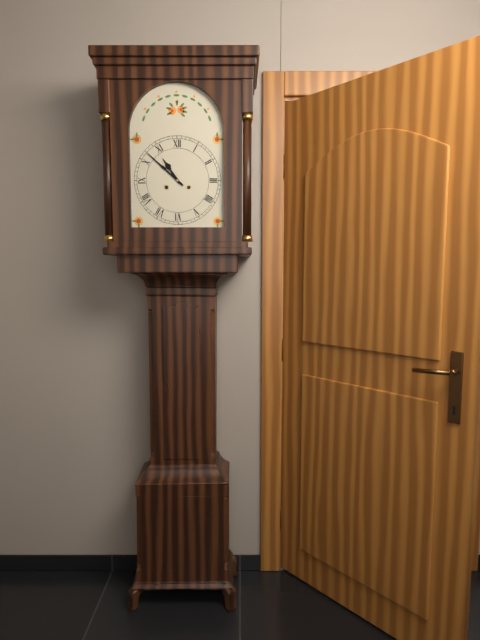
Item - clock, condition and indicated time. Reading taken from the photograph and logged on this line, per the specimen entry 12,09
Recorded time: 10,52
